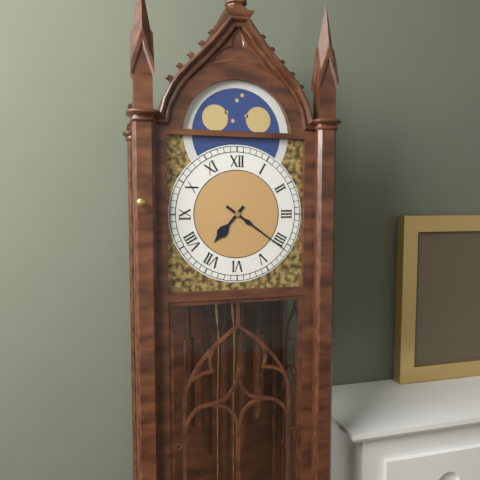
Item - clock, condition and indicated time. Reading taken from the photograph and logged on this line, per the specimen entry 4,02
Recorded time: 7,21
